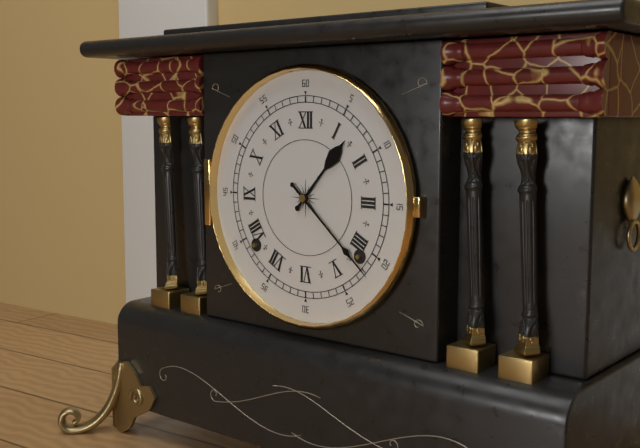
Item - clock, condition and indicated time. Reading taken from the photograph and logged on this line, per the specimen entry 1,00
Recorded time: 1,22
